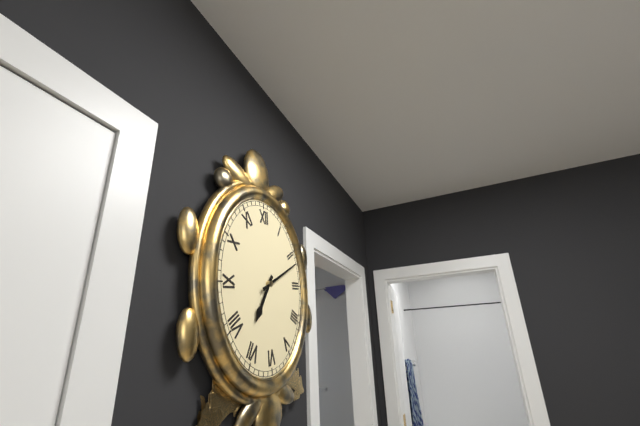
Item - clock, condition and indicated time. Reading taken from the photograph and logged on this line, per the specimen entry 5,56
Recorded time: 7,11
